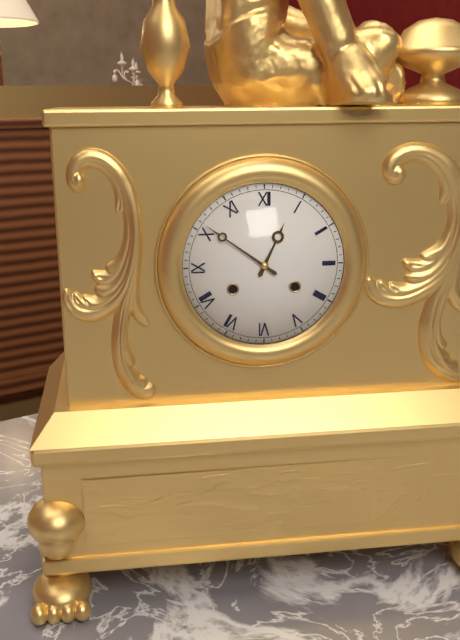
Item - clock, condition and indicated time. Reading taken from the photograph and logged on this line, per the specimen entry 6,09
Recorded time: 12,51
